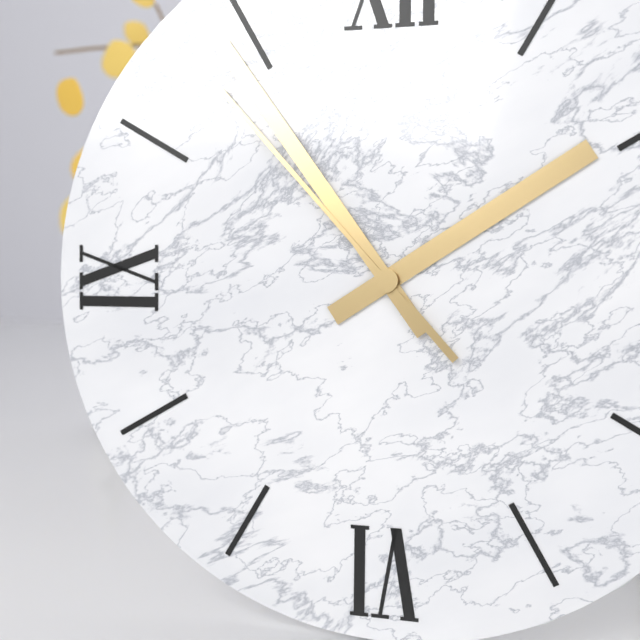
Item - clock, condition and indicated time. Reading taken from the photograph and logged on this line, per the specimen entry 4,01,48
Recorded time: 1,54,53
